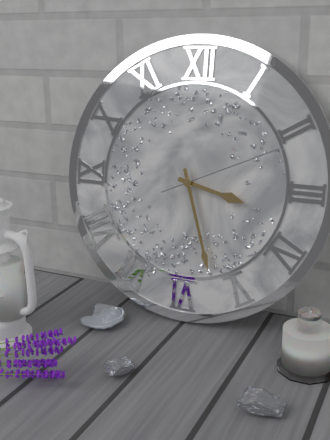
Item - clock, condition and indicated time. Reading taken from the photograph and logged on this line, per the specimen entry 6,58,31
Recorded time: 3,27,11
